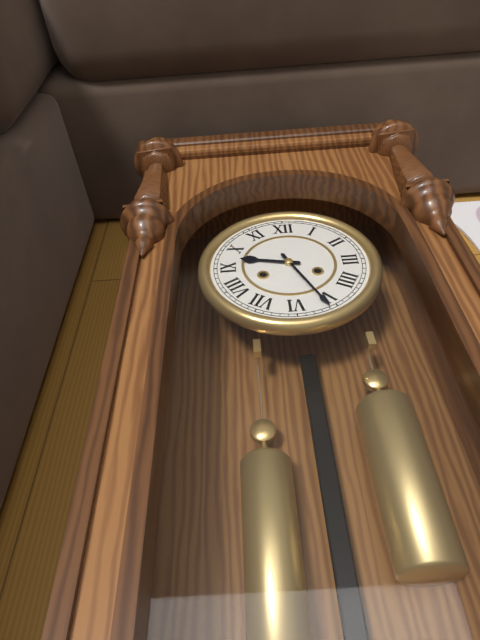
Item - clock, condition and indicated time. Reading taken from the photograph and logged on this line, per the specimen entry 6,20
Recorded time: 9,26
